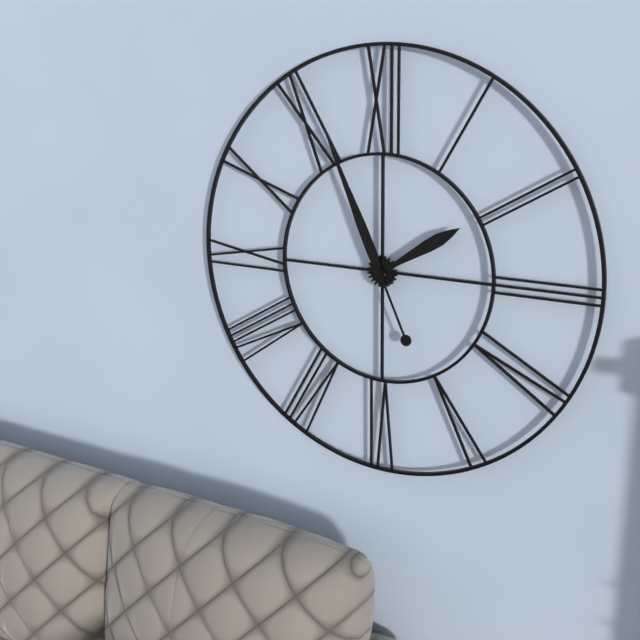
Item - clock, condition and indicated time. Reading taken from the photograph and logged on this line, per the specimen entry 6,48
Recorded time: 1,56
